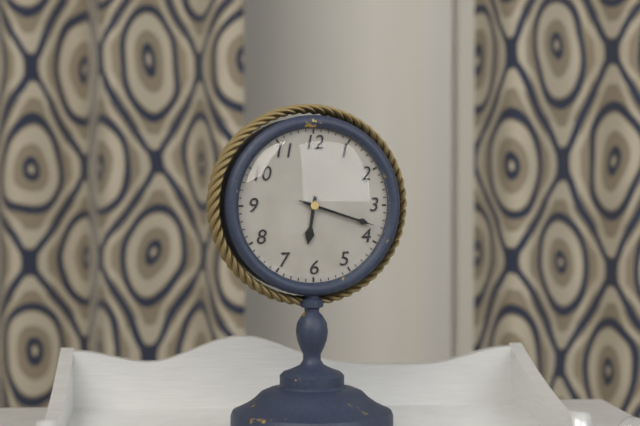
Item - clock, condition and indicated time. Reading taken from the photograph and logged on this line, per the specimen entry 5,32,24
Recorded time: 6,18,18
